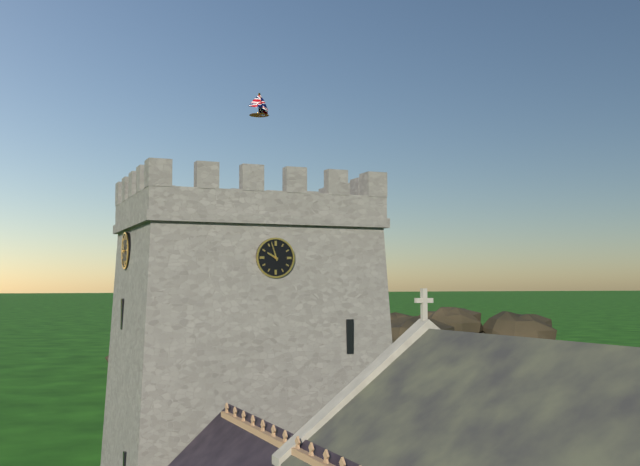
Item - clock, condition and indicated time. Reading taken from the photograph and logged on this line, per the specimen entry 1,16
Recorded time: 9,57
